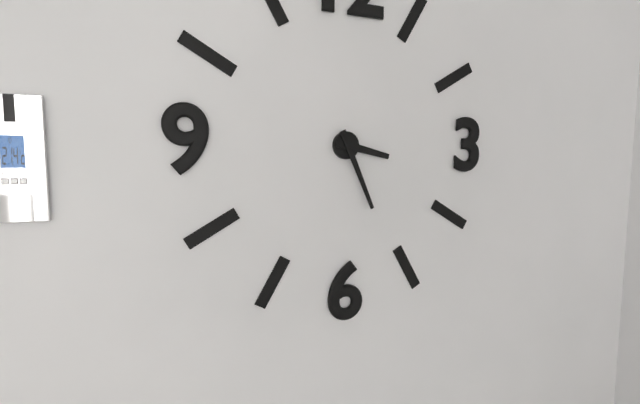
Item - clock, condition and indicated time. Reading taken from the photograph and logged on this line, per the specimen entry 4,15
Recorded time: 3,26
